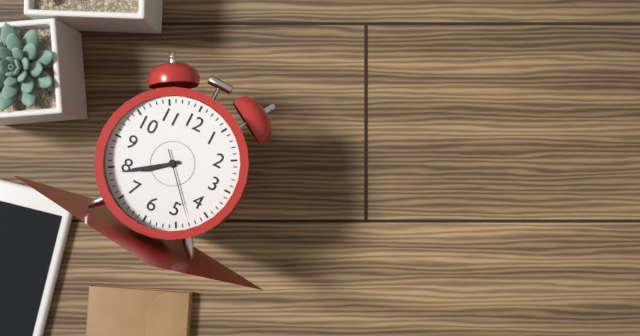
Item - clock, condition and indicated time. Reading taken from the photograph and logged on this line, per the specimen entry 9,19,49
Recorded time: 7,39,23
